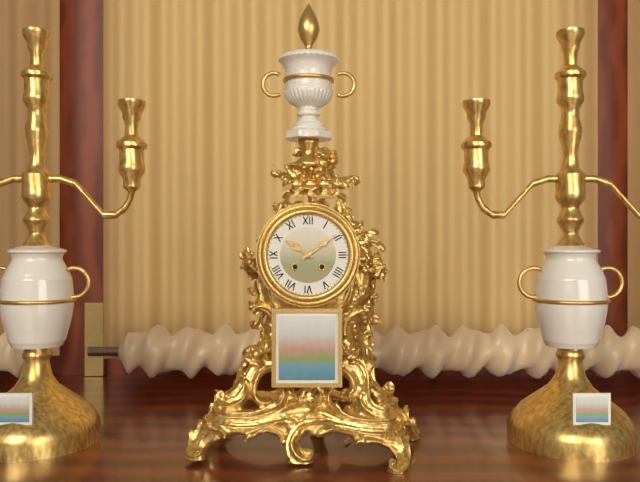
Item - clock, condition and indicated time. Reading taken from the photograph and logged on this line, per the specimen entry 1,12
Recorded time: 10,09
